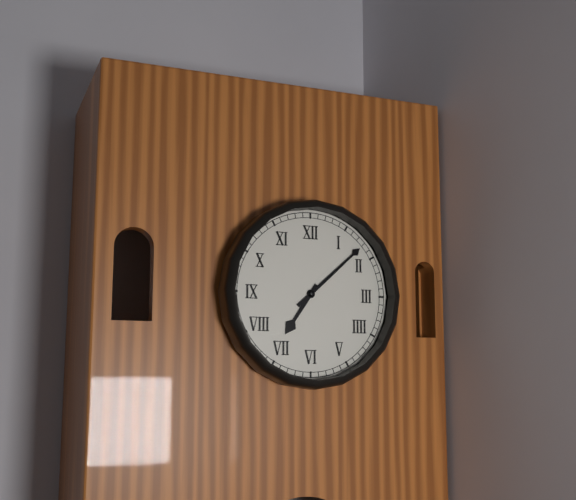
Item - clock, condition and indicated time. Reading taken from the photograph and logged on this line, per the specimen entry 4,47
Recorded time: 7,08
